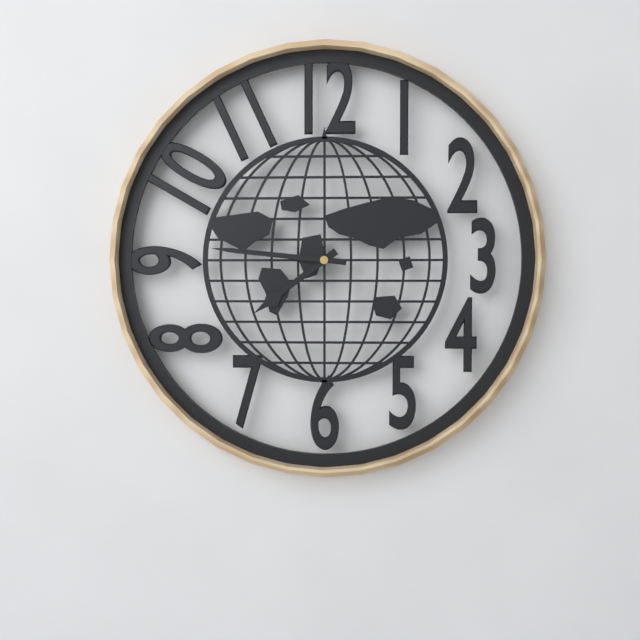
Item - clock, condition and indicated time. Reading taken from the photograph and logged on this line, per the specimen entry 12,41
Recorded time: 7,46
